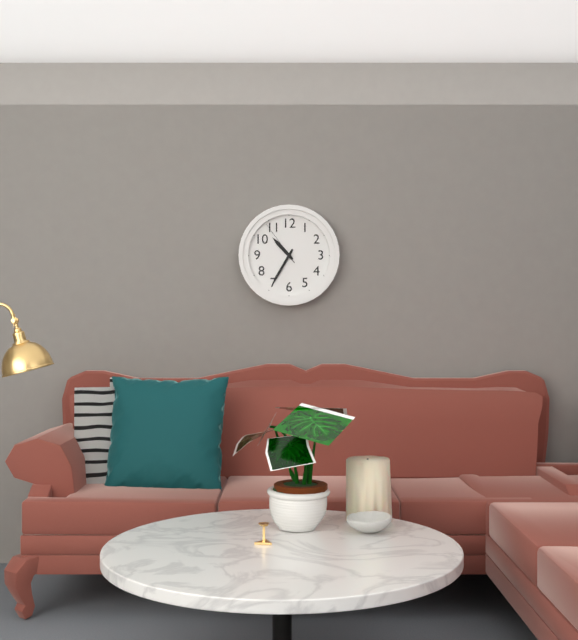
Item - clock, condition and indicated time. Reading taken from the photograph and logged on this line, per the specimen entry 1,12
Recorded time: 10,35
